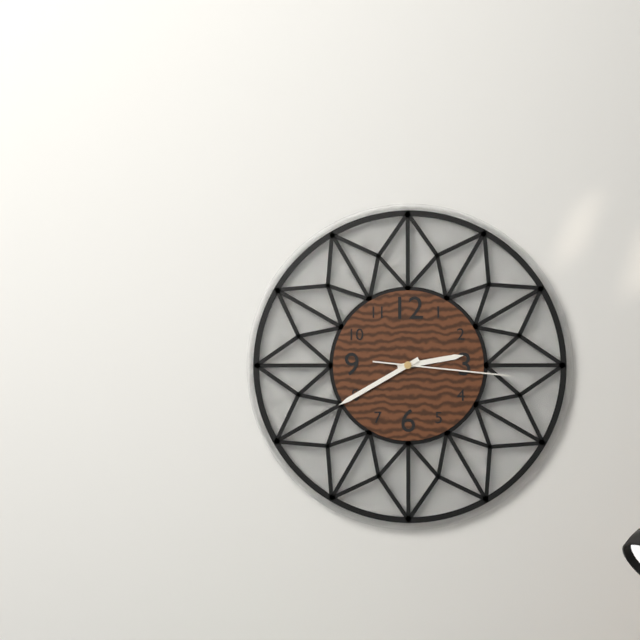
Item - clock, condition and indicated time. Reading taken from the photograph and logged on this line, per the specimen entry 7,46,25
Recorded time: 2,40,16
